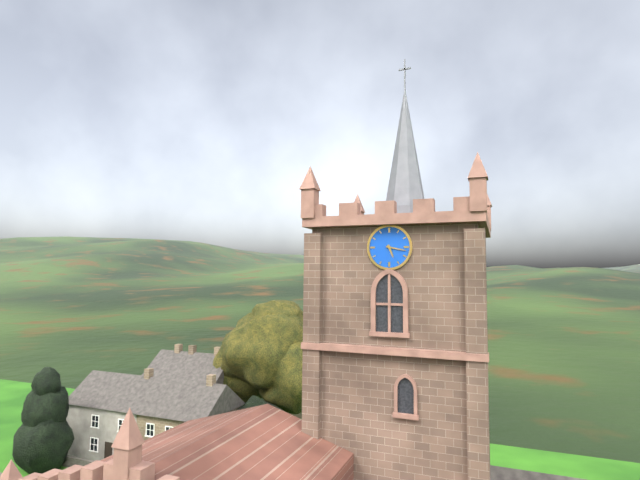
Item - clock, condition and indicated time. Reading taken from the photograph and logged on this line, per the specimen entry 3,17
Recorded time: 5,17
